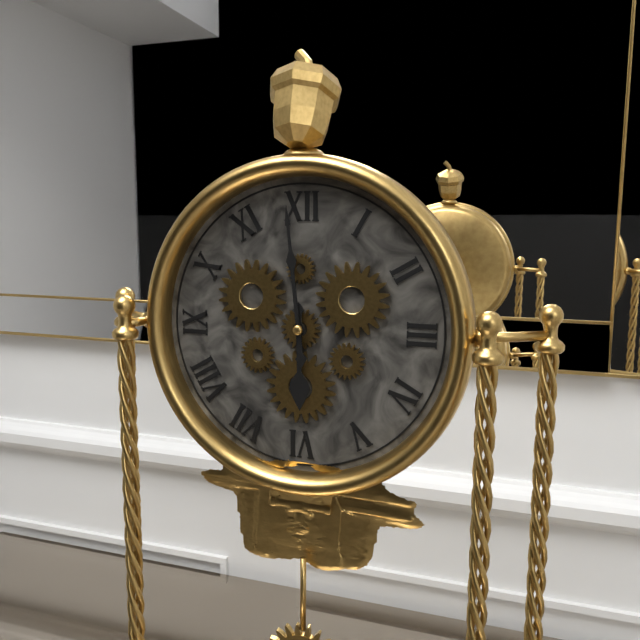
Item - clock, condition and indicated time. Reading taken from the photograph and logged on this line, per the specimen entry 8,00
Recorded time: 5,59
